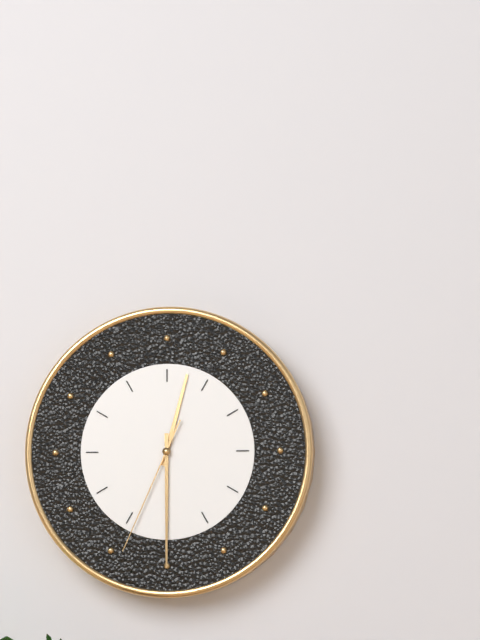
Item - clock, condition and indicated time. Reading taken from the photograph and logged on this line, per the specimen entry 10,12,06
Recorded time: 12,30,34
